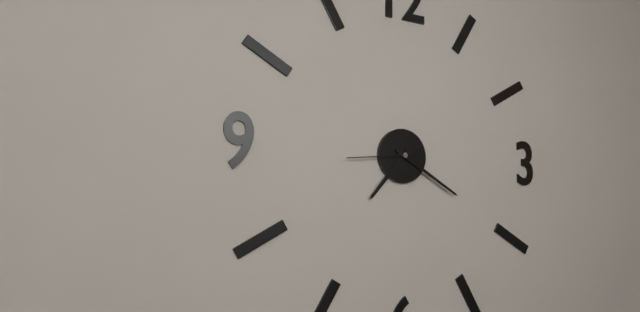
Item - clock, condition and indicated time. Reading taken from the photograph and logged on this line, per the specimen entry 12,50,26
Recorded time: 7,20,44
